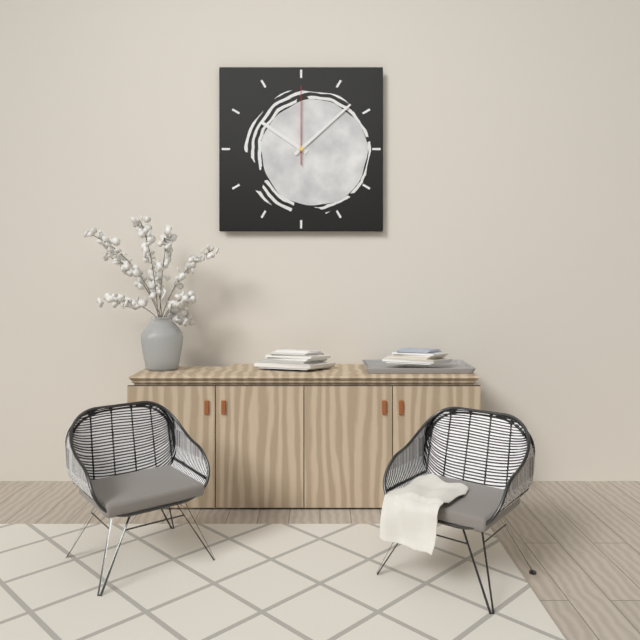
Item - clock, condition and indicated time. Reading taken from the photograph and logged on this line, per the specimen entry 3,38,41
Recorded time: 10,08,00
